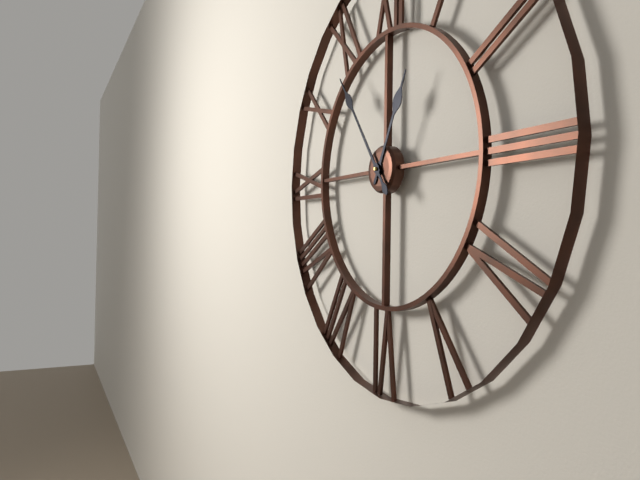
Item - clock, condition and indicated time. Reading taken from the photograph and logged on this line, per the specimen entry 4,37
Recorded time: 12,54
